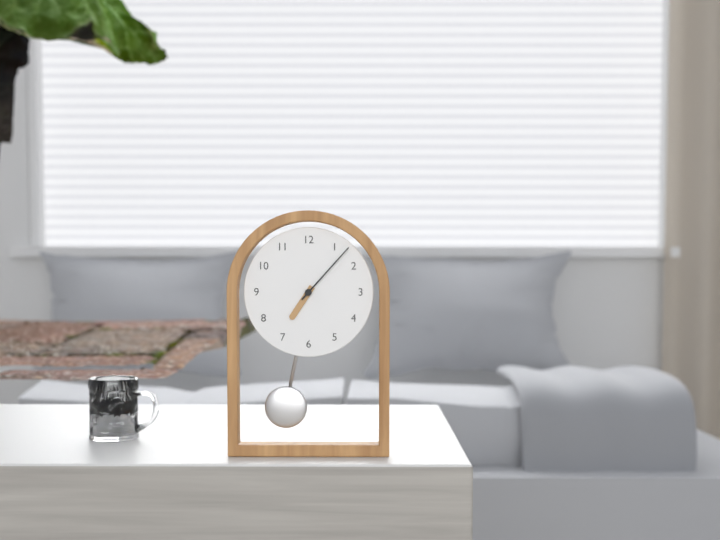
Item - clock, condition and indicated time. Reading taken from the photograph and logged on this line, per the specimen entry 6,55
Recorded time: 7,07
